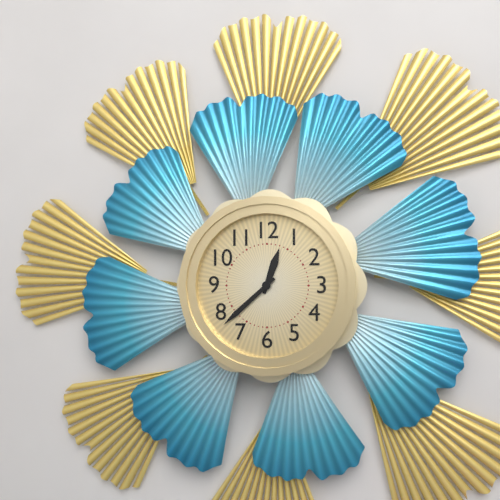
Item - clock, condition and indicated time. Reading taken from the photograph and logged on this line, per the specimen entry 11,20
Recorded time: 12,38
